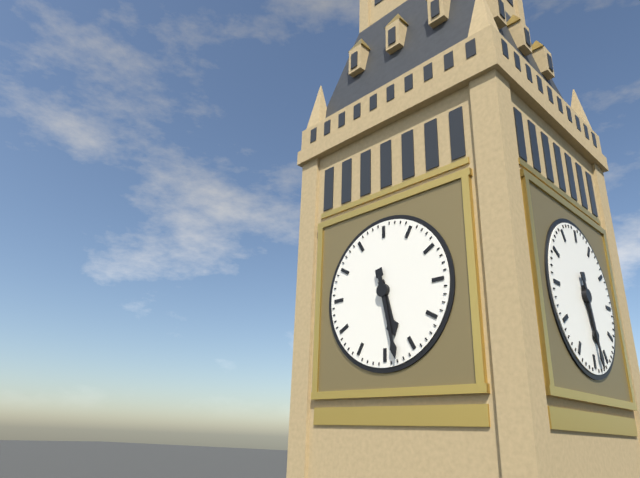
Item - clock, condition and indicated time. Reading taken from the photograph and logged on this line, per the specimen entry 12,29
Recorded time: 5,28
